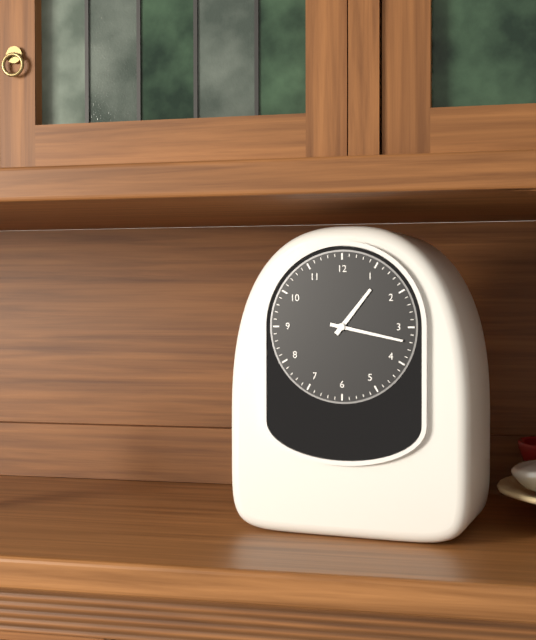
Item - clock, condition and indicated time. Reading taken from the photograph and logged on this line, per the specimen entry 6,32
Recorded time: 1,17
